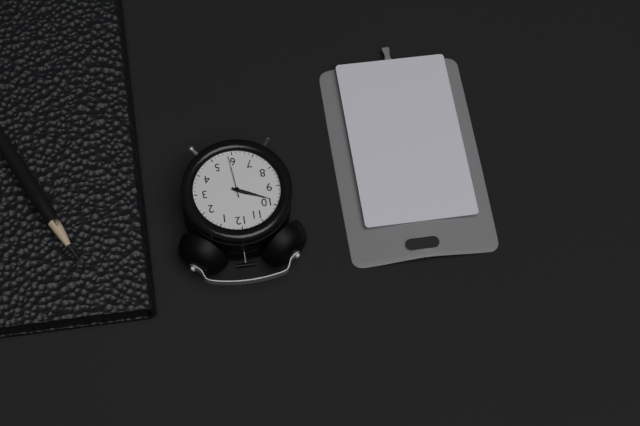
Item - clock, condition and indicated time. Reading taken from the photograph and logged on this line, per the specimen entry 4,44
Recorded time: 9,49
